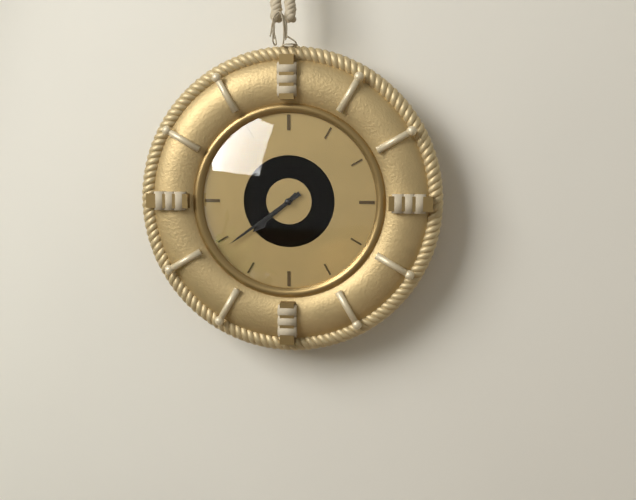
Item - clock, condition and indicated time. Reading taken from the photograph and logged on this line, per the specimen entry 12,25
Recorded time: 7,39
